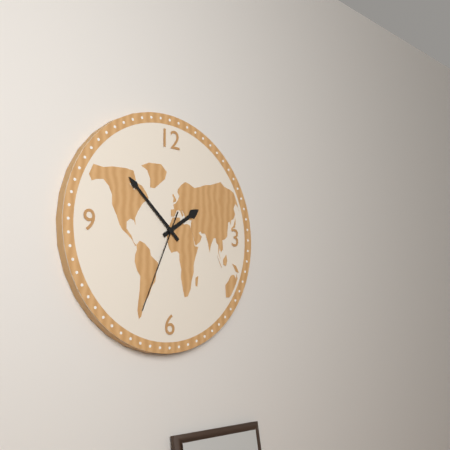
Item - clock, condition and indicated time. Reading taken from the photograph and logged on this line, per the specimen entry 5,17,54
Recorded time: 1,52,34
